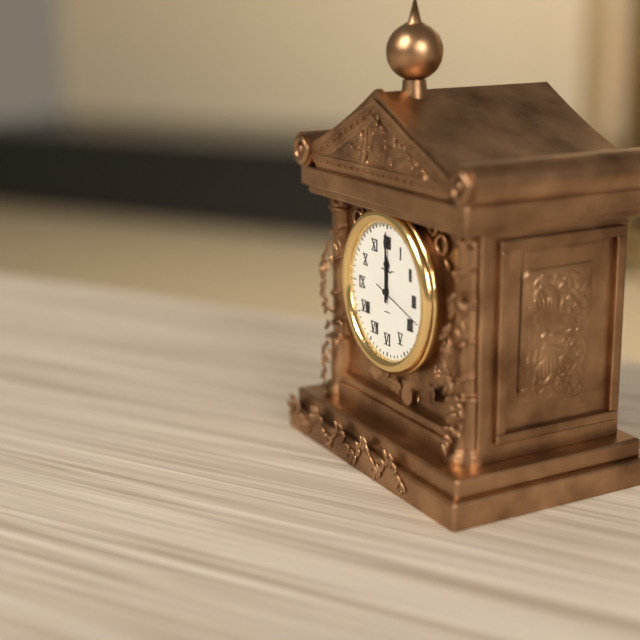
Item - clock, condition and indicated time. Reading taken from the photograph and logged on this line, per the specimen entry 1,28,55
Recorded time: 12,00,18
